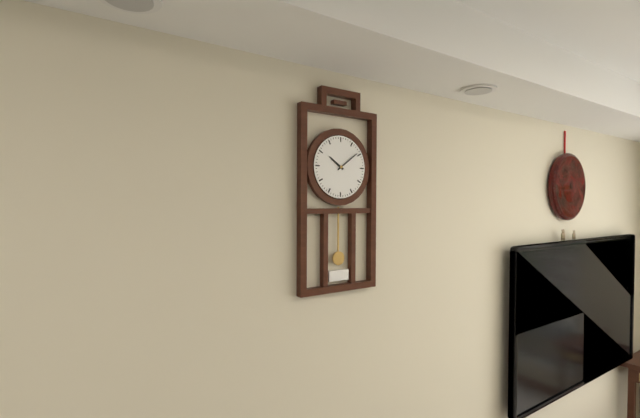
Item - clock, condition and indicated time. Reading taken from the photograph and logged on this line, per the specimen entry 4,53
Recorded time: 10,09
